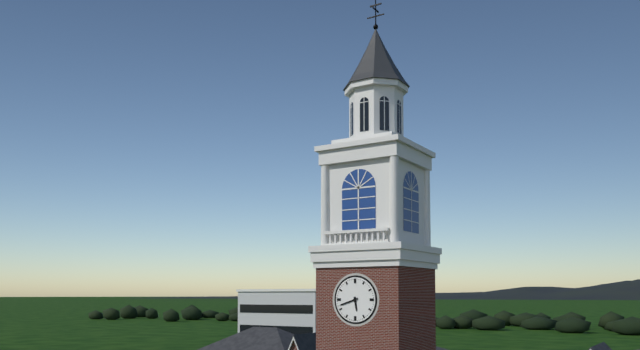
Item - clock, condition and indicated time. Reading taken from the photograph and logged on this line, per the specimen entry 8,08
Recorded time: 5,42
